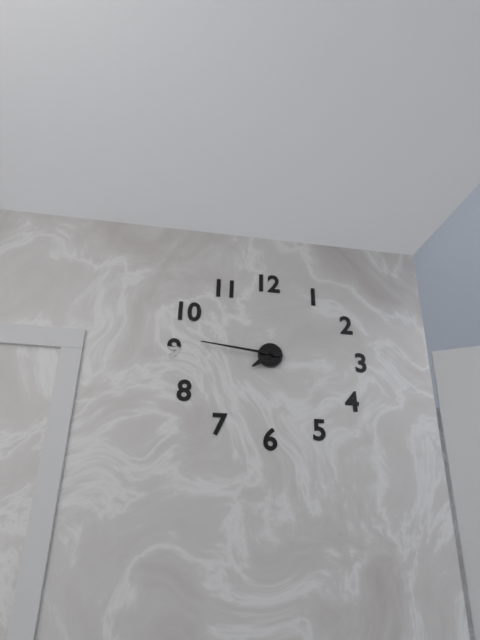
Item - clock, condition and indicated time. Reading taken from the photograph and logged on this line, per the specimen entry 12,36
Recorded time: 7,46
